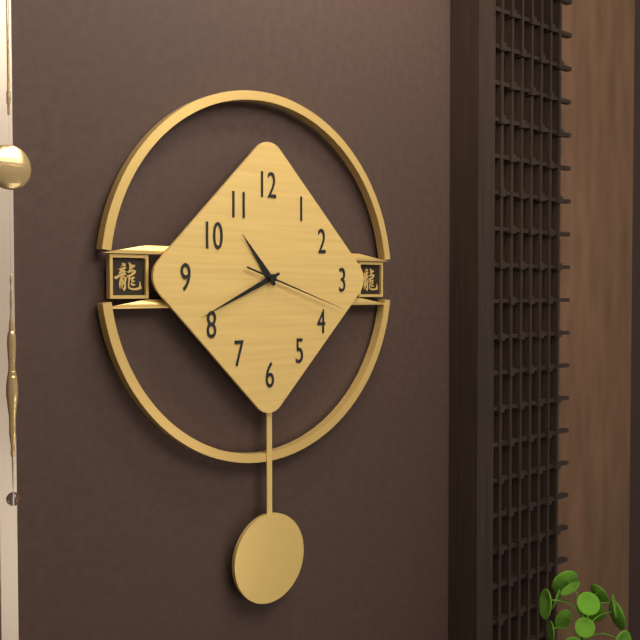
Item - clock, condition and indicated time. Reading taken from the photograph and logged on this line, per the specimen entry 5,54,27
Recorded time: 10,41,18
